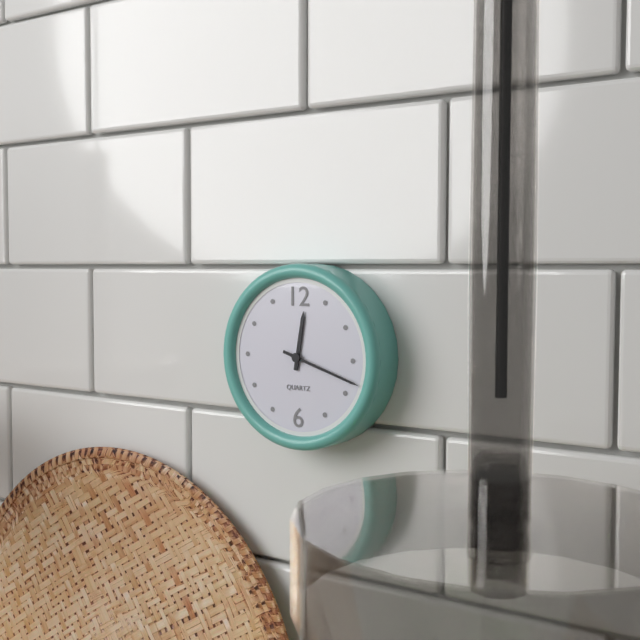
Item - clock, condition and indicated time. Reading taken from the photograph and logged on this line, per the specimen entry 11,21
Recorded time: 12,18
